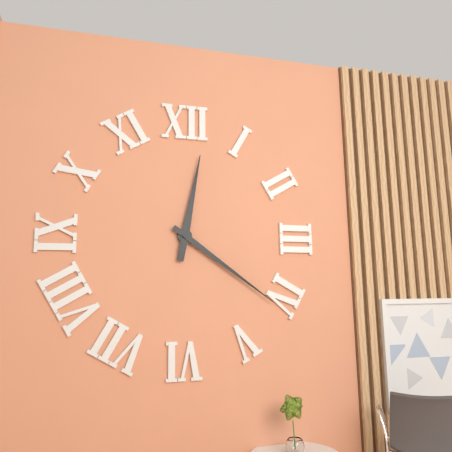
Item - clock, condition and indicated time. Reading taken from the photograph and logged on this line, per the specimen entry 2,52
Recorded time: 12,21
